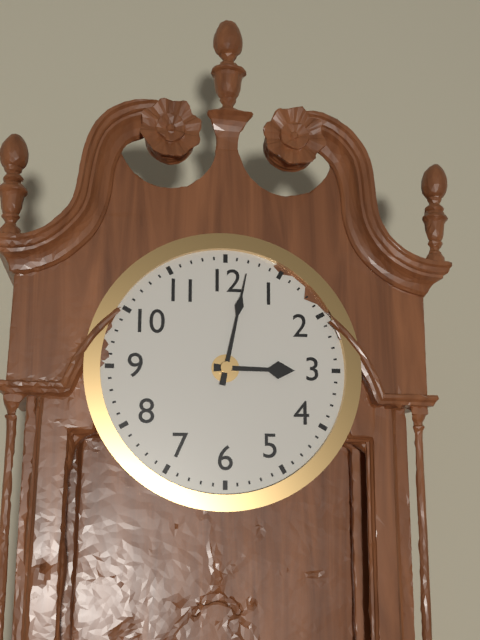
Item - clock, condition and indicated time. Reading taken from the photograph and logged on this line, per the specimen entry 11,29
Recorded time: 3,02
